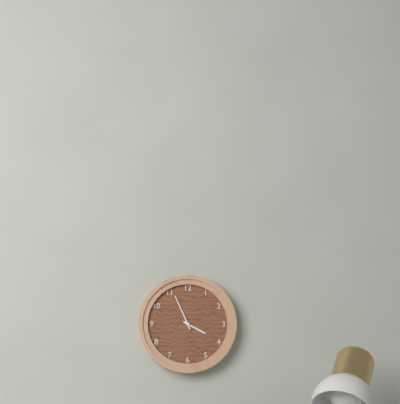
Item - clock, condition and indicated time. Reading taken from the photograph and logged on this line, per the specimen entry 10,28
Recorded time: 3,56
